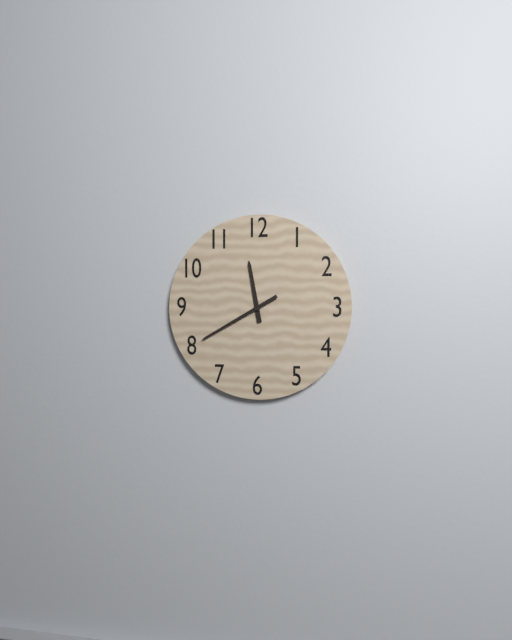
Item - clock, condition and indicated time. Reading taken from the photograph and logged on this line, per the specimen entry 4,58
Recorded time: 11,40
